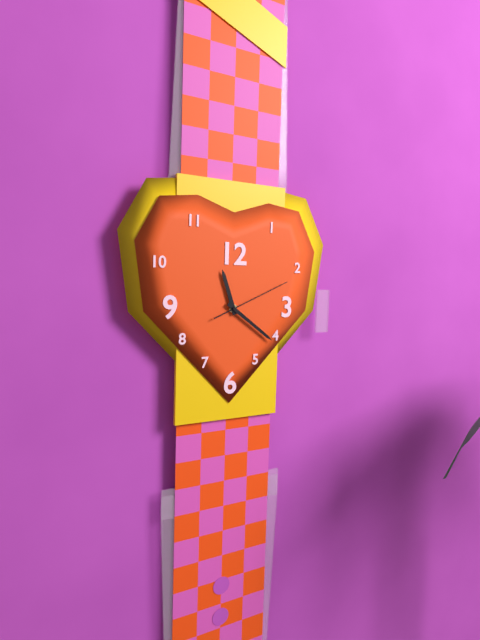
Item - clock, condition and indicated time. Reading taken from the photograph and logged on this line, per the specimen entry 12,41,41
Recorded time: 11,21,11
